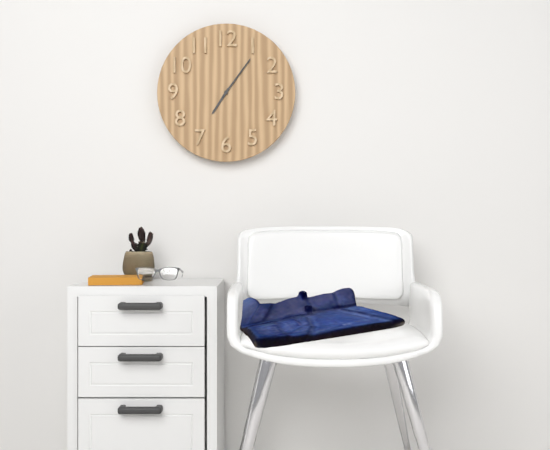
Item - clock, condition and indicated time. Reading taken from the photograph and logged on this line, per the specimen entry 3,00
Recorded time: 7,06
